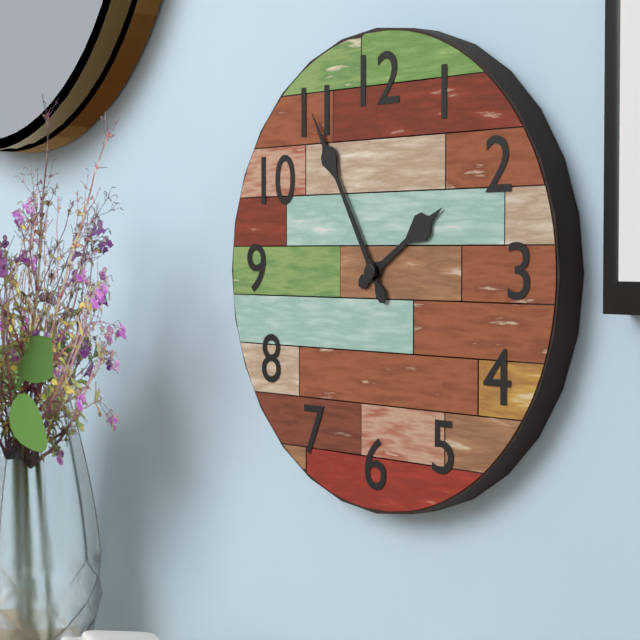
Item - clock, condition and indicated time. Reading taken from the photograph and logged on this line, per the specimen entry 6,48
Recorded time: 1,55
